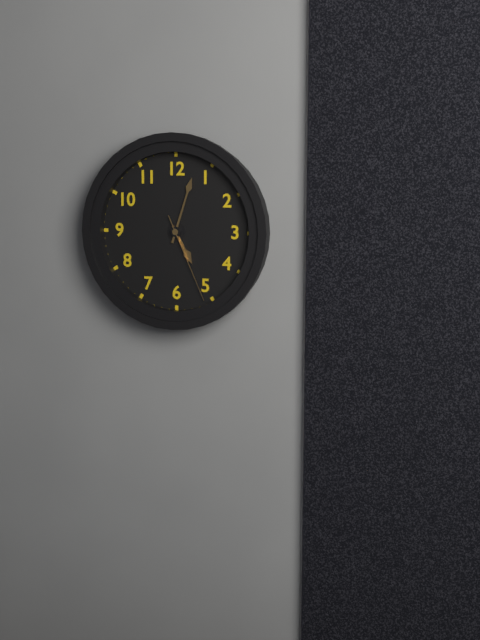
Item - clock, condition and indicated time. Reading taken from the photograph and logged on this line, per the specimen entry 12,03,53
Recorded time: 5,03,26
